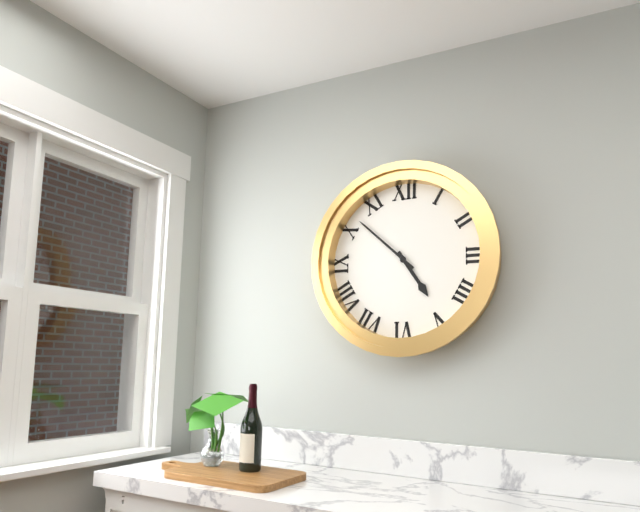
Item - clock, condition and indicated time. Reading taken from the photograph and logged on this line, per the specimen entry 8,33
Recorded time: 4,52
